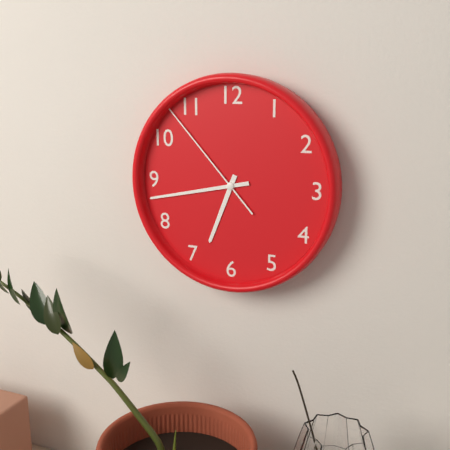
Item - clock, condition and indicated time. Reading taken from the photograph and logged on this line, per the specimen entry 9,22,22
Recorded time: 6,43,53
